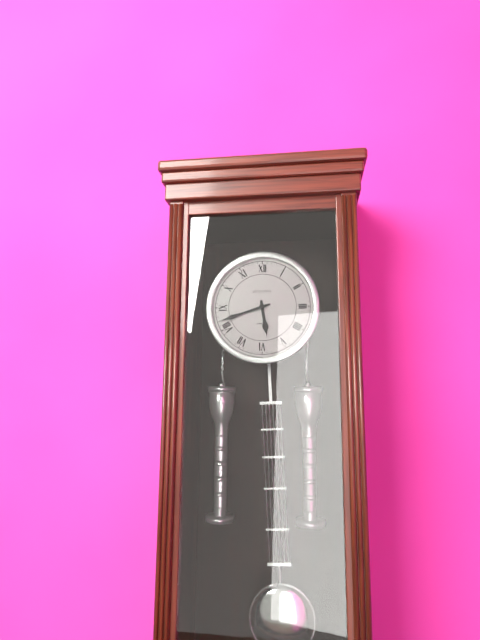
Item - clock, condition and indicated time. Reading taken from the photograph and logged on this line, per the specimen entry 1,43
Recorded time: 5,42
